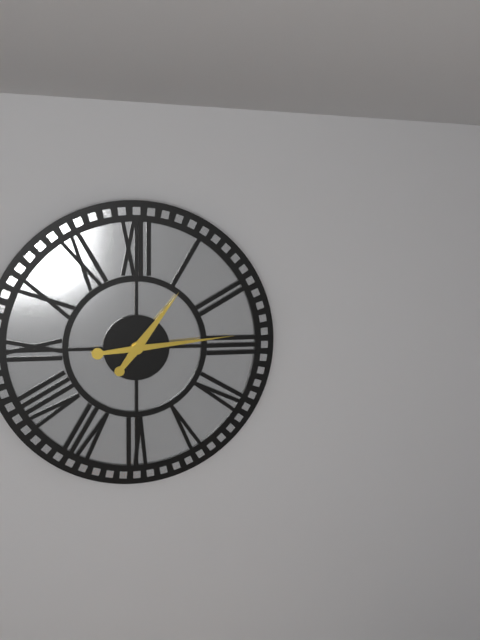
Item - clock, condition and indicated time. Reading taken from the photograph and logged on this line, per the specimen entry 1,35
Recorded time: 1,14
